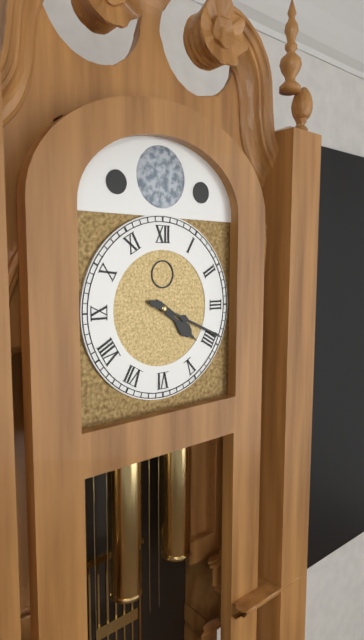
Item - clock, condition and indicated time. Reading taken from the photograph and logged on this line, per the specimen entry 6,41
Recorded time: 4,19
